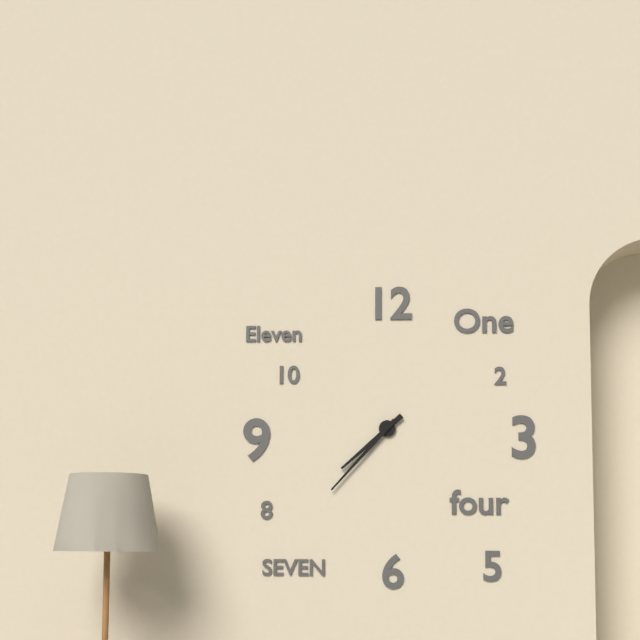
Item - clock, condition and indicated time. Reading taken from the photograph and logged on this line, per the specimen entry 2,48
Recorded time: 7,37
